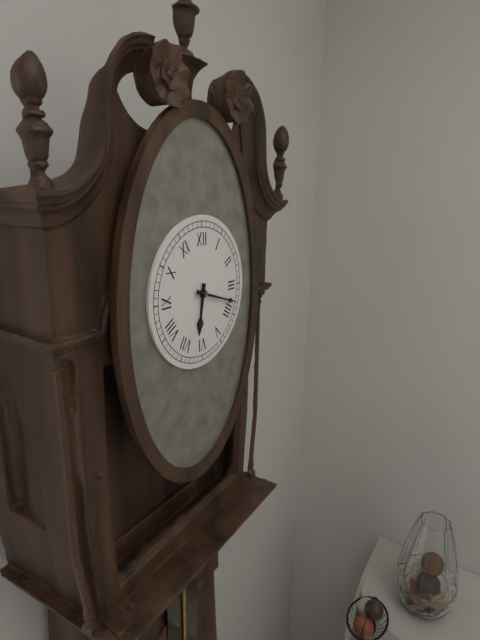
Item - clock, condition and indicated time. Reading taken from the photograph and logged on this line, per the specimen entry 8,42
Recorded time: 6,18
